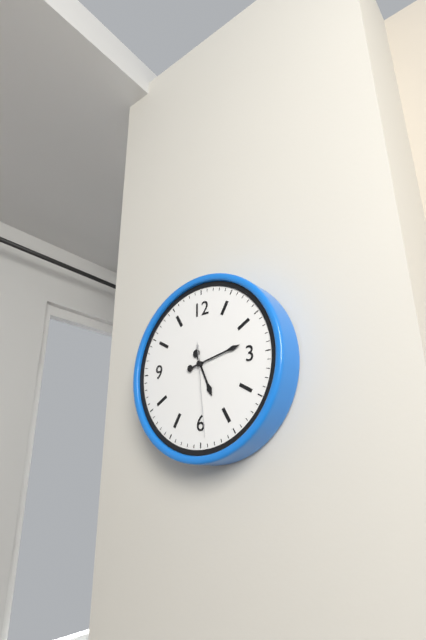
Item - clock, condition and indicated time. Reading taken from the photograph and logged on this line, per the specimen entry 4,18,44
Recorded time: 5,13,29
